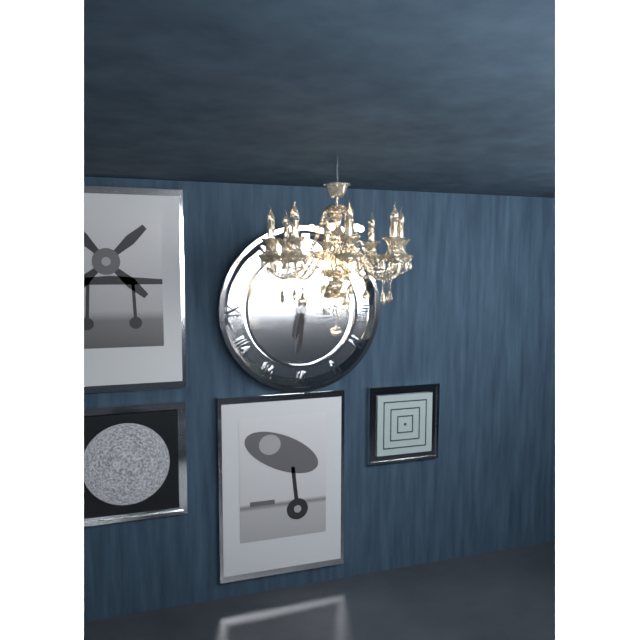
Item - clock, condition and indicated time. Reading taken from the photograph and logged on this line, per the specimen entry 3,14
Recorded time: 6,31
